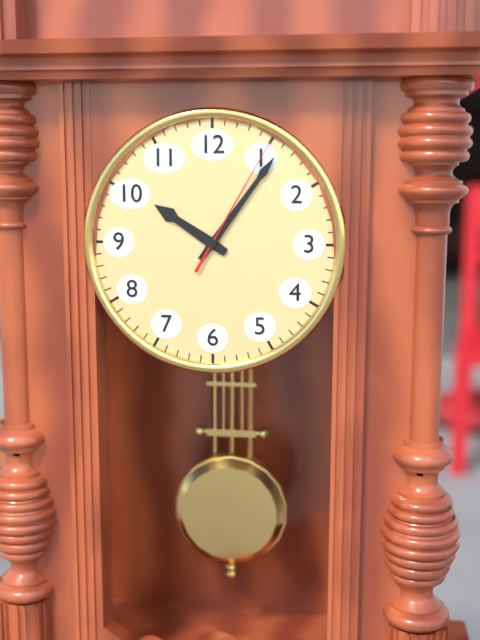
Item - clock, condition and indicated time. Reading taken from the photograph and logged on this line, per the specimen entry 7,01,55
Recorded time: 10,06,05
